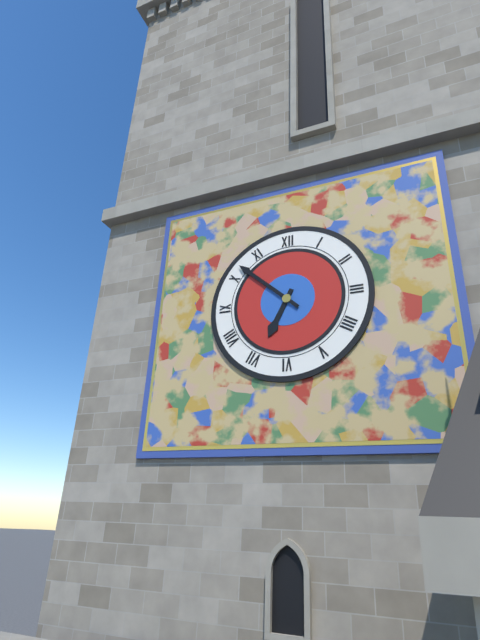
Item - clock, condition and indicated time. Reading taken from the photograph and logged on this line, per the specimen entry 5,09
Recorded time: 6,52
